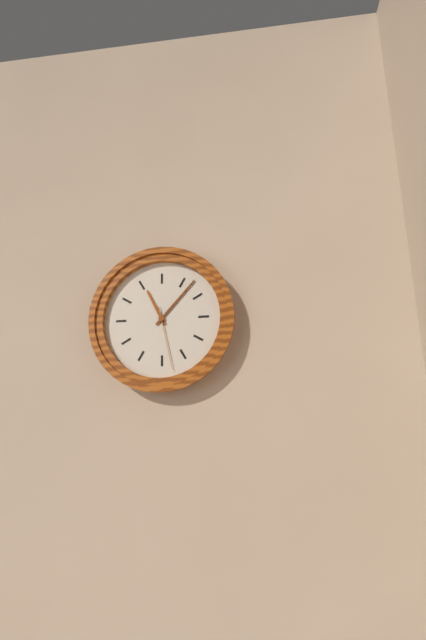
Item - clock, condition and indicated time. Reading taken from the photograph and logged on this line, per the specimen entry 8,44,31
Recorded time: 11,07,28
